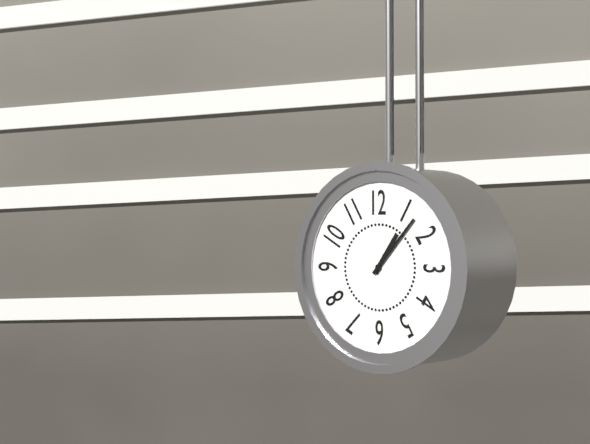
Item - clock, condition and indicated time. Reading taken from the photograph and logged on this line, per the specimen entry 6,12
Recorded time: 1,07
